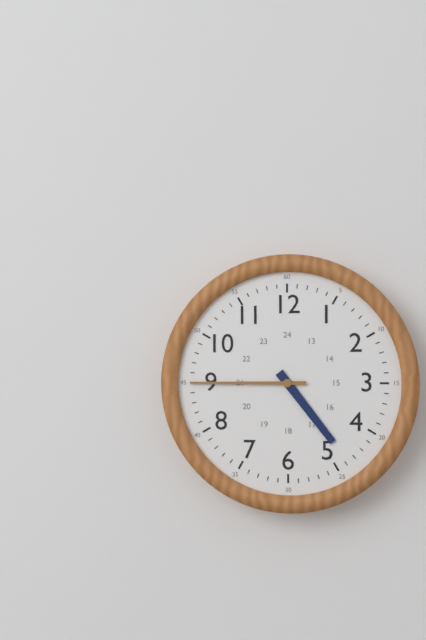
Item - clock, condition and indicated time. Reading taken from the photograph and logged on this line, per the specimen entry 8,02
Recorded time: 4,45
